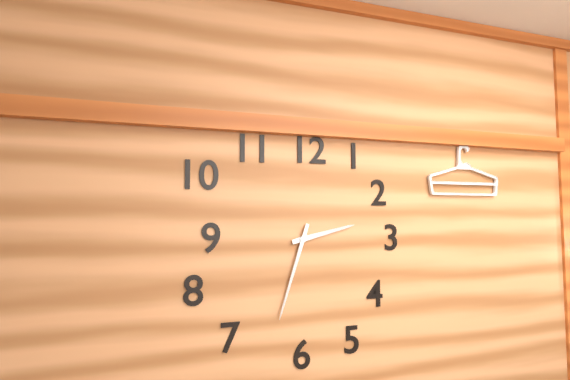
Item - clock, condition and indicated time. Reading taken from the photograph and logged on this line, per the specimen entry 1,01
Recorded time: 2,33
